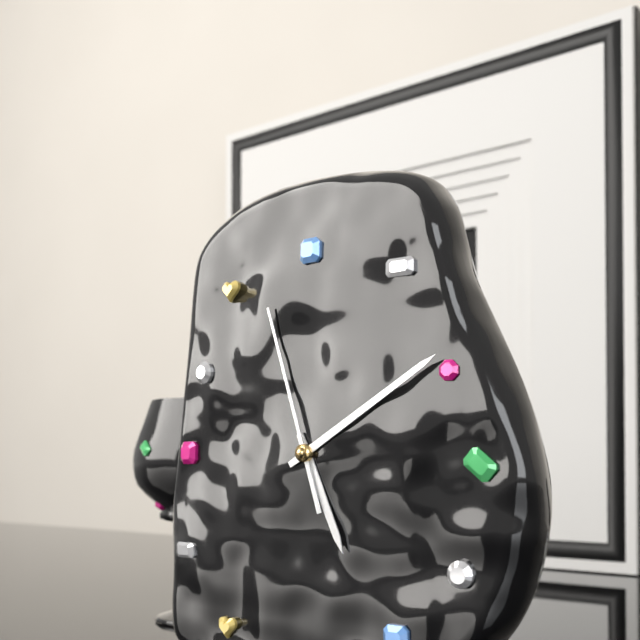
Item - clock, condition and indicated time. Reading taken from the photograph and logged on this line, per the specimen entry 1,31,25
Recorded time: 5,10,57
